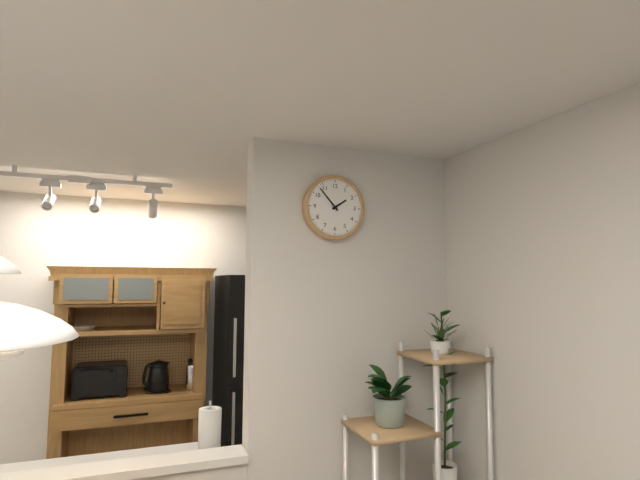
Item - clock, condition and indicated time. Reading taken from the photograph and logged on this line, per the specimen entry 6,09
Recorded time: 1,53
